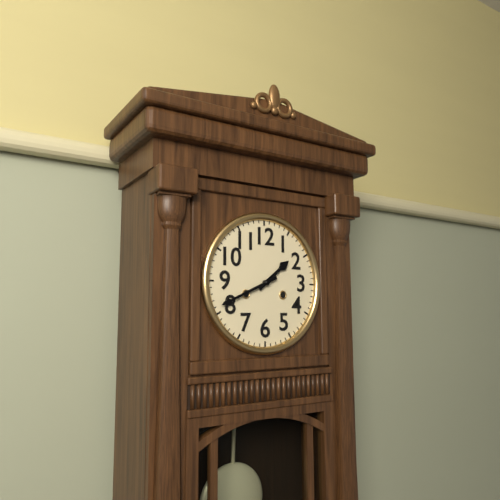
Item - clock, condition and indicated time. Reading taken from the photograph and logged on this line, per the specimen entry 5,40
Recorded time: 1,41
